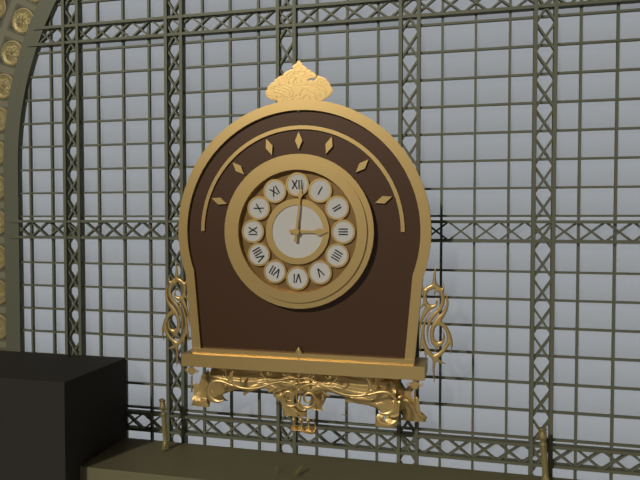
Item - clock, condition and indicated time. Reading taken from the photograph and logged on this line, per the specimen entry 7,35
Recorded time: 3,01
